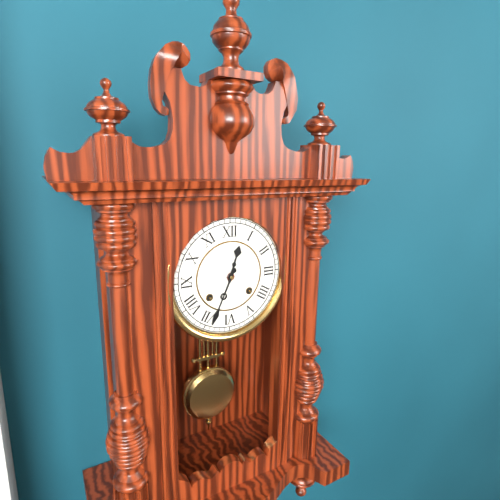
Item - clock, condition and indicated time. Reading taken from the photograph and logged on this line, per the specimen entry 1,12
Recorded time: 12,34
